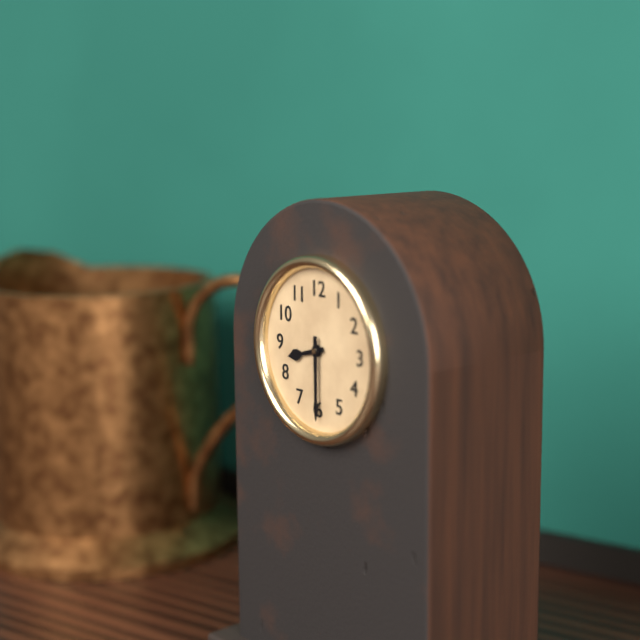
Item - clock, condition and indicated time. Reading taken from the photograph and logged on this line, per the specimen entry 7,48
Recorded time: 8,30
